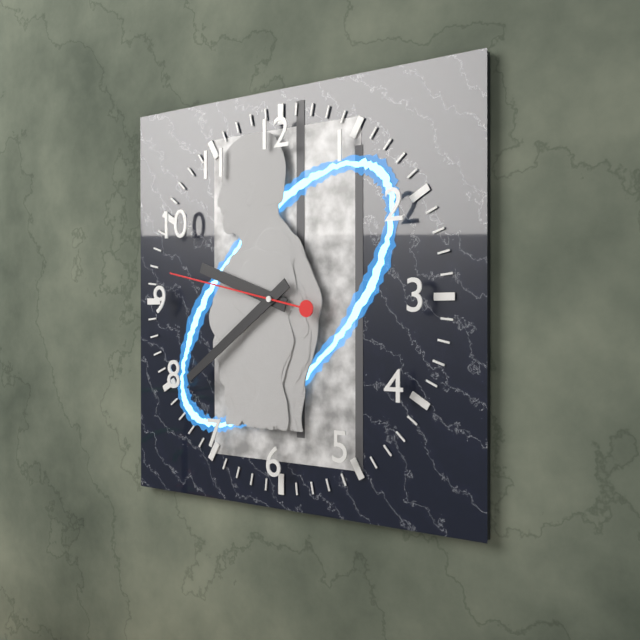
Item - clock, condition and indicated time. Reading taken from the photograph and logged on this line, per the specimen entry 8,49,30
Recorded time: 9,39,47
